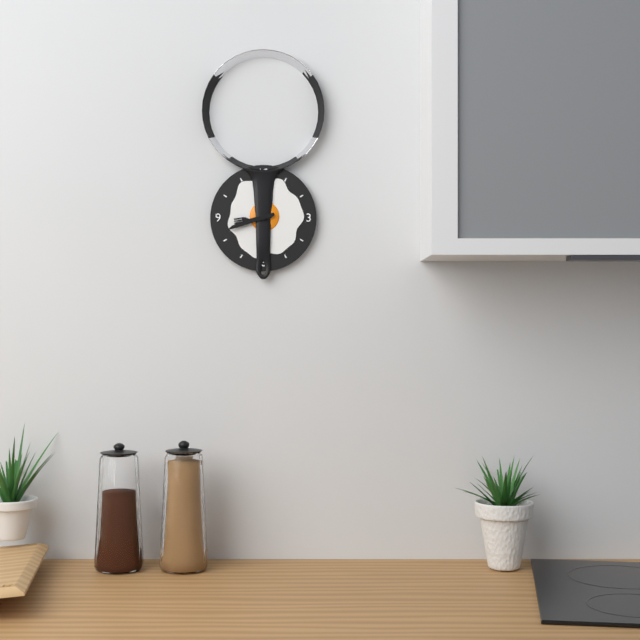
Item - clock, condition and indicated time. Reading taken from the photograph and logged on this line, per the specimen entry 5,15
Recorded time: 8,42
